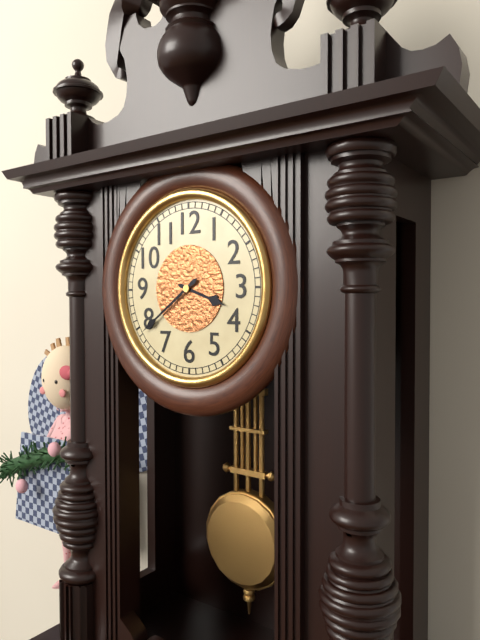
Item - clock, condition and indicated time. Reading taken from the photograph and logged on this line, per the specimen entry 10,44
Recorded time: 3,39
